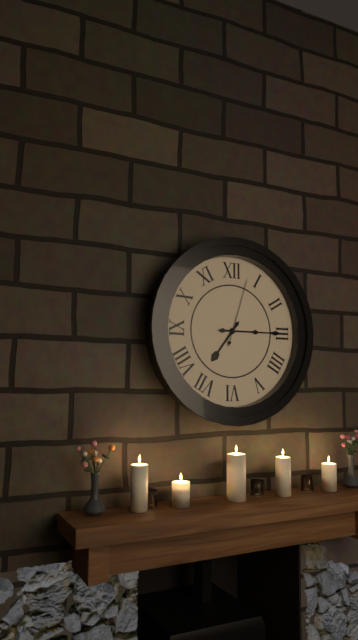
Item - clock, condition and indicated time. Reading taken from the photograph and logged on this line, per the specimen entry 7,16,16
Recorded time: 7,15,03
